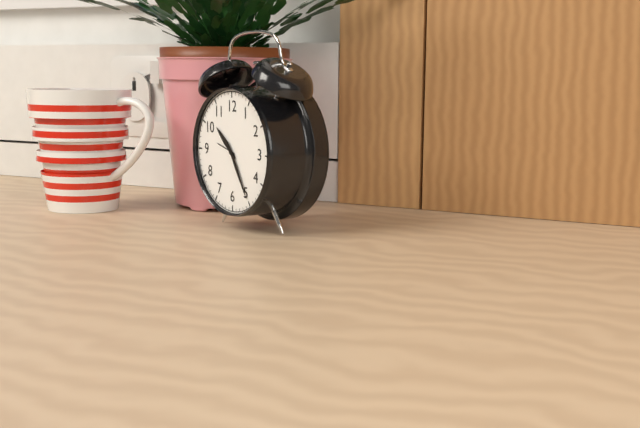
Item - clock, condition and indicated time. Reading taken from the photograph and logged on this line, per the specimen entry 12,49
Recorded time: 10,25
